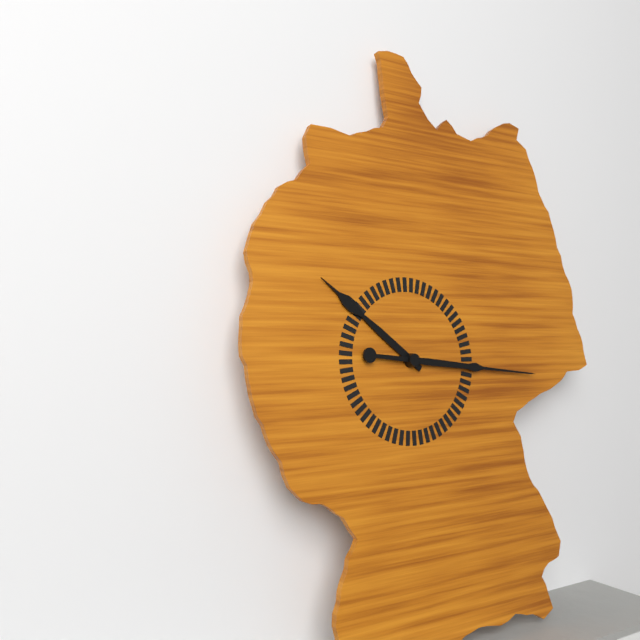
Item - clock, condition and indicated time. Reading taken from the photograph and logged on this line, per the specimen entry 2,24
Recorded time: 10,16
